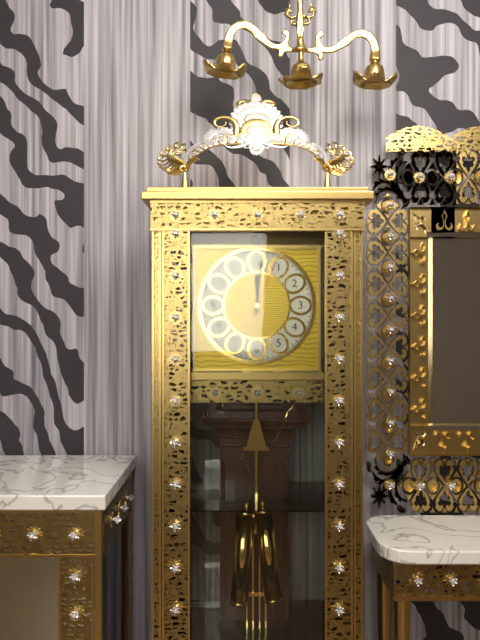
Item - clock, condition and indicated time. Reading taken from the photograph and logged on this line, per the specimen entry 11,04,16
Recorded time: 12,01,04
